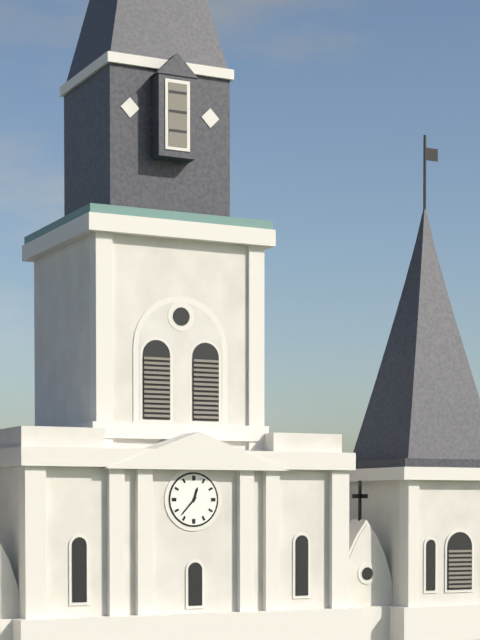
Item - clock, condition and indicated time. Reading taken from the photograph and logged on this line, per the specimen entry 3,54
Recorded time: 12,37
